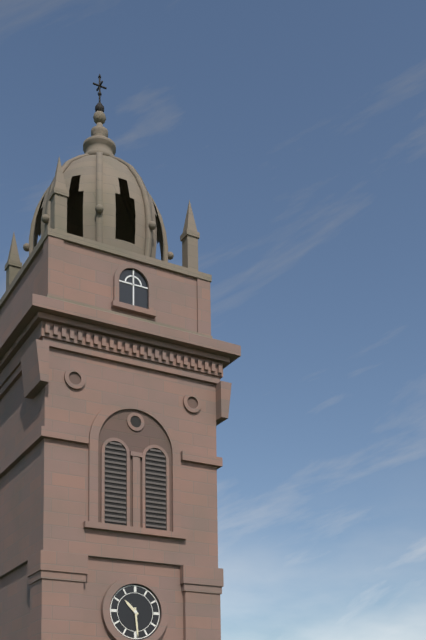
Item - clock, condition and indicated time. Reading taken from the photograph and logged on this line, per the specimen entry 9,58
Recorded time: 10,29
